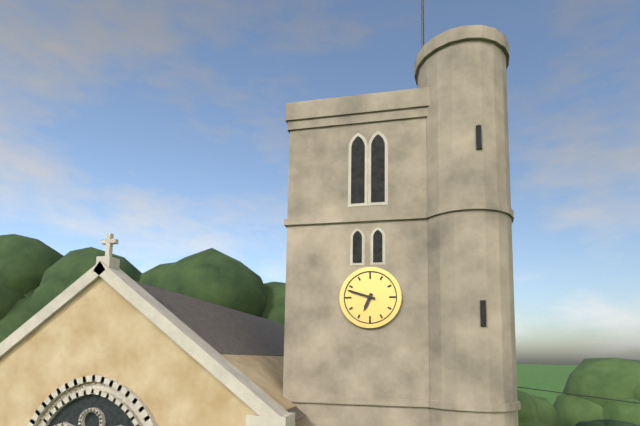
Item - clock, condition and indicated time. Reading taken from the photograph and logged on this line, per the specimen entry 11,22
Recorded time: 6,48
